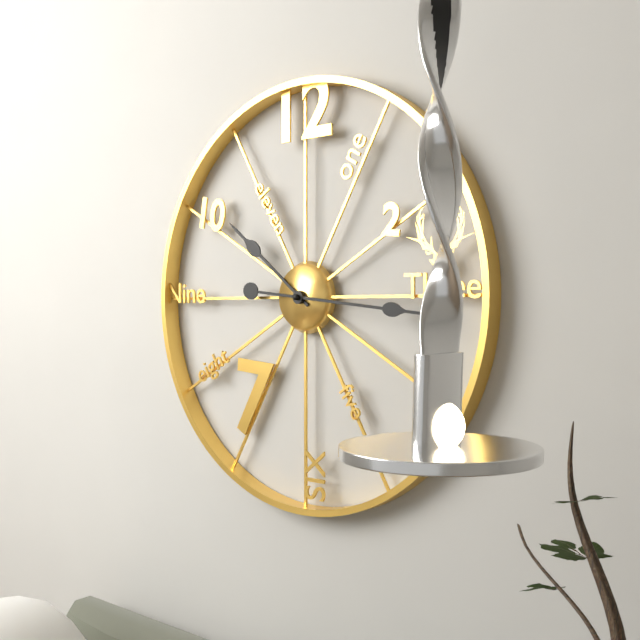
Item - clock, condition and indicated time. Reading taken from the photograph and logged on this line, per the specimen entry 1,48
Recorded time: 10,16
